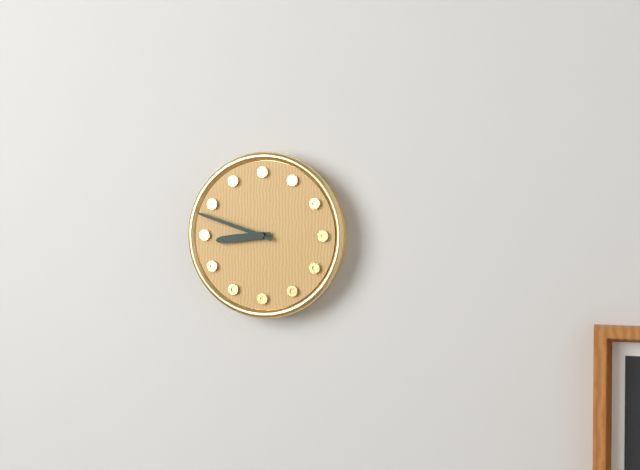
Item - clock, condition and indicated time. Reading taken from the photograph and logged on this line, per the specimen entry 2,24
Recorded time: 8,48
